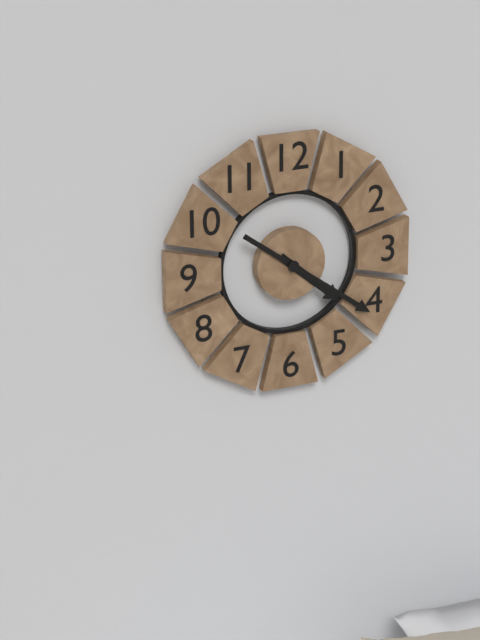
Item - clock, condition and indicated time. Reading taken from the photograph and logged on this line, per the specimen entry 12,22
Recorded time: 4,21
